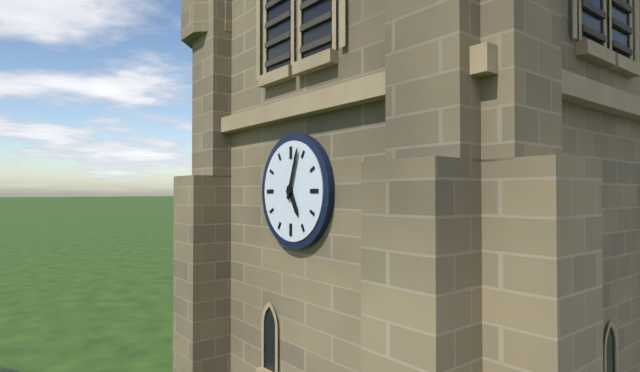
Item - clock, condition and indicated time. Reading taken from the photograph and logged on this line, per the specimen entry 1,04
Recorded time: 5,03
